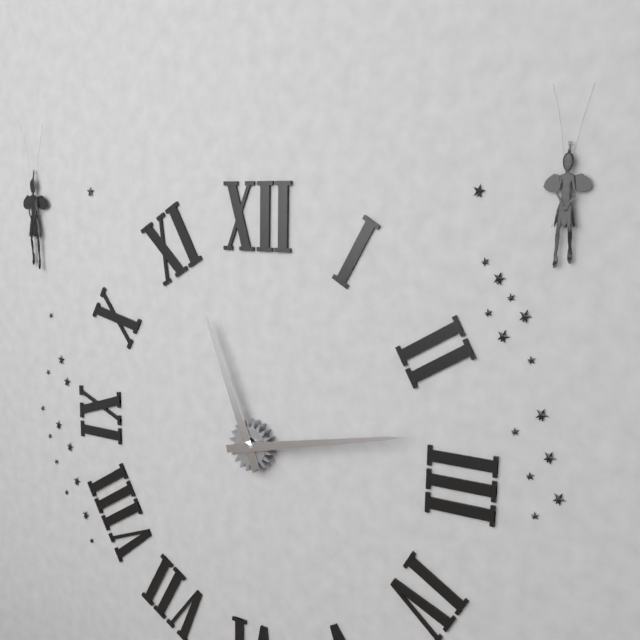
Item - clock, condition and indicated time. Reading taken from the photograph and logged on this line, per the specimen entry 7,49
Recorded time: 11,13
